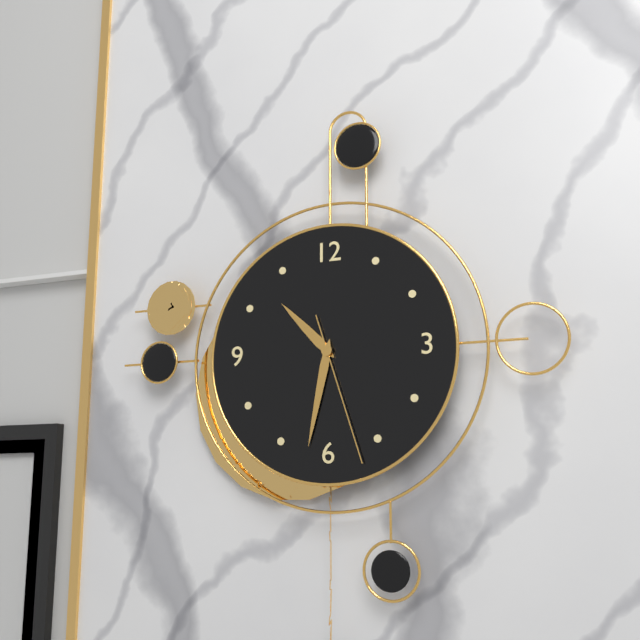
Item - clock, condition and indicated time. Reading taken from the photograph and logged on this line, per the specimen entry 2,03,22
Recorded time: 10,32,27
